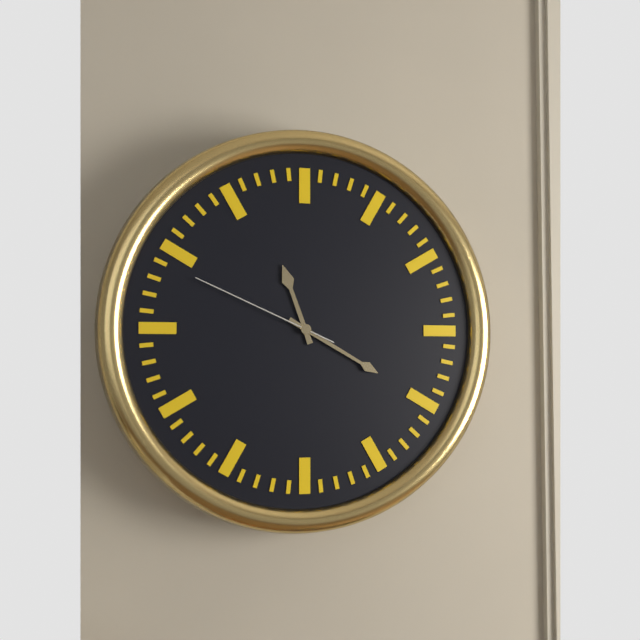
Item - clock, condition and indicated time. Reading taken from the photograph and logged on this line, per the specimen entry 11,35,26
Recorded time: 11,20,49
